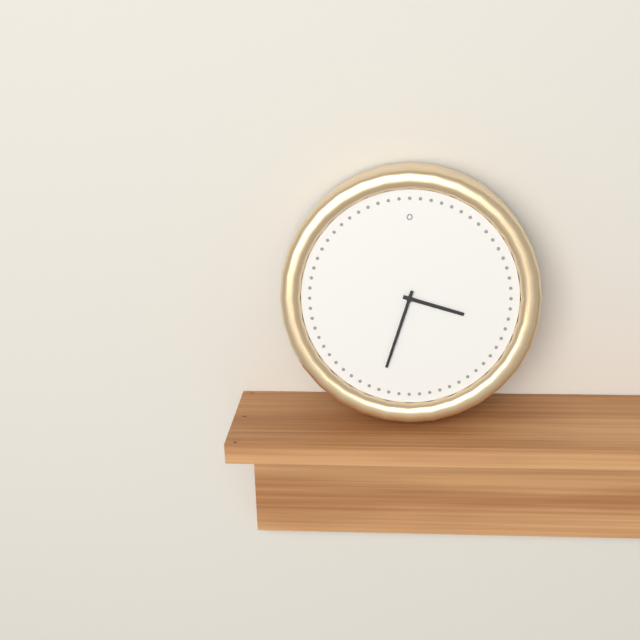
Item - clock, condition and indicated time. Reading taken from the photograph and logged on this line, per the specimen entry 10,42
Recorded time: 3,33
